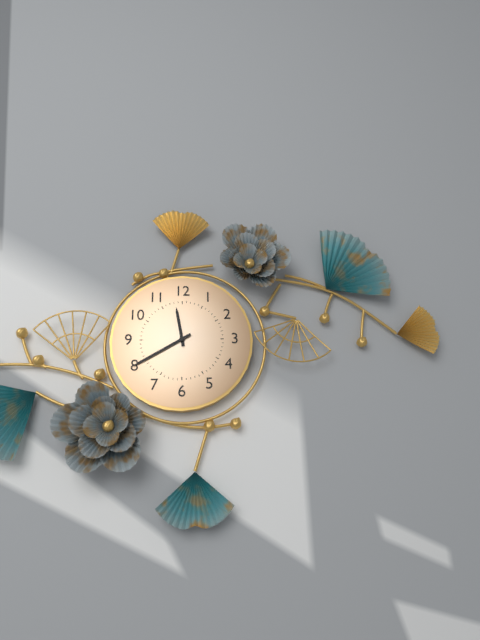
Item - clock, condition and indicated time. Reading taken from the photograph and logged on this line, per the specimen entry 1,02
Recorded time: 11,40
